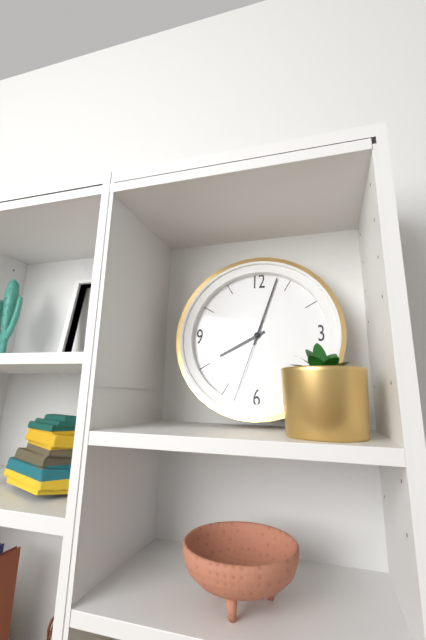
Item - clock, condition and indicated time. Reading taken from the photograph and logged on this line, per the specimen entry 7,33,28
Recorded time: 8,03,33
